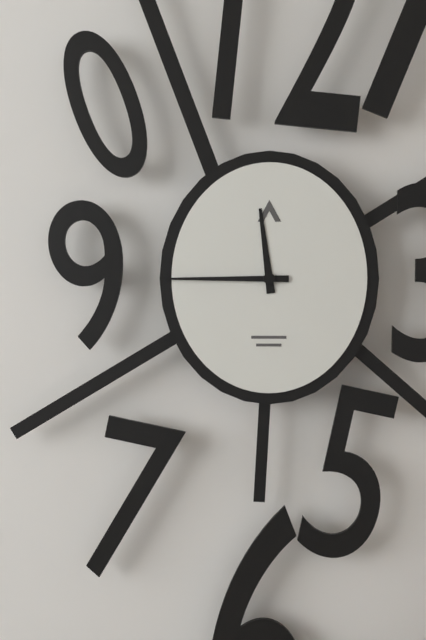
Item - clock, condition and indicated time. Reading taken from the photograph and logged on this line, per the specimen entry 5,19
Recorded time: 11,45
